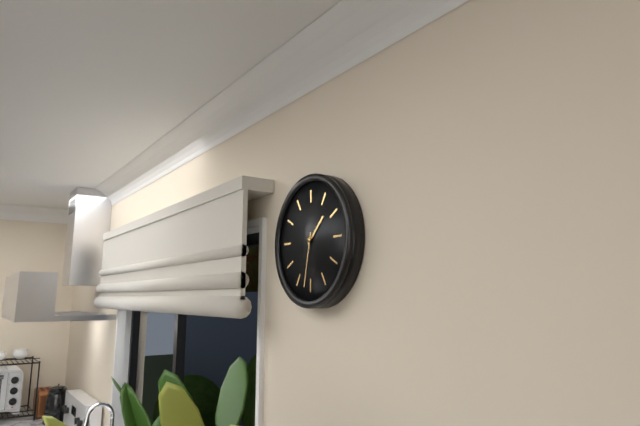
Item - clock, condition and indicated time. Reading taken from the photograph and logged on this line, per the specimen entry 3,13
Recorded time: 1,32
